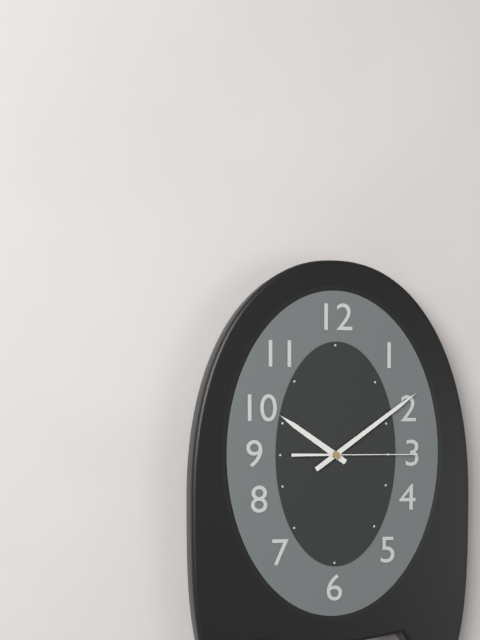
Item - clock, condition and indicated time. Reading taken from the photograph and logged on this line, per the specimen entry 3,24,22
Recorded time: 10,09,15
